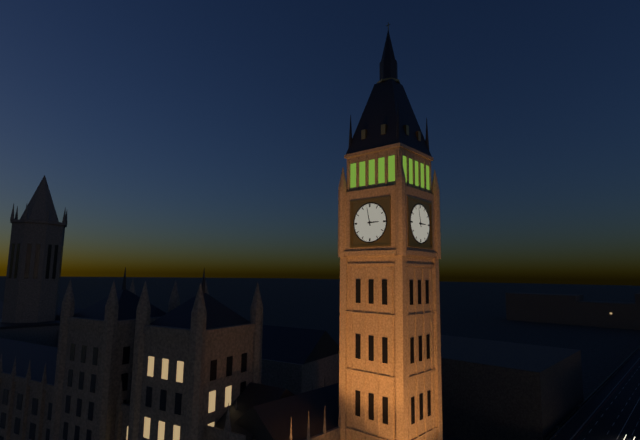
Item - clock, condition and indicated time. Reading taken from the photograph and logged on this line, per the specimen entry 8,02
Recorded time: 2,58
